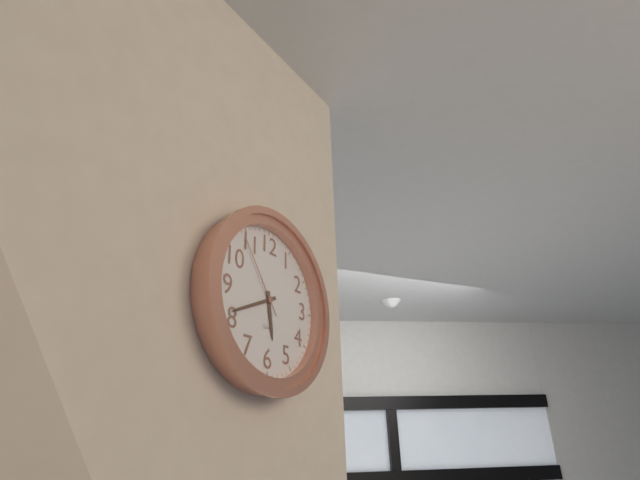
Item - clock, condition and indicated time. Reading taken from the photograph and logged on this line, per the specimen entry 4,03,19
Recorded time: 5,41,54
